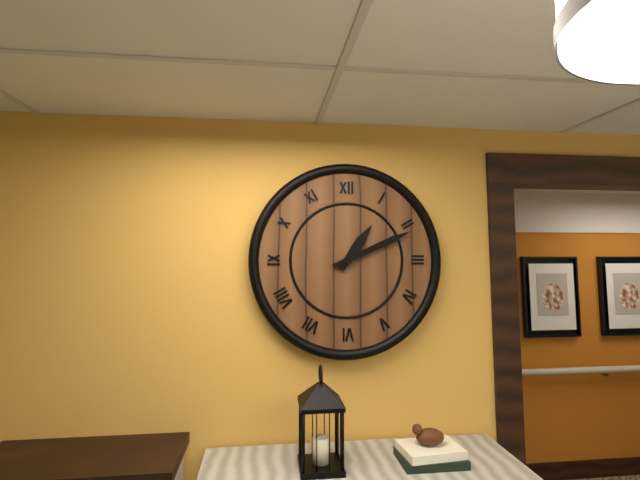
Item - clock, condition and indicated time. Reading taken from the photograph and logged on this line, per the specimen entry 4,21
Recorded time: 1,11
